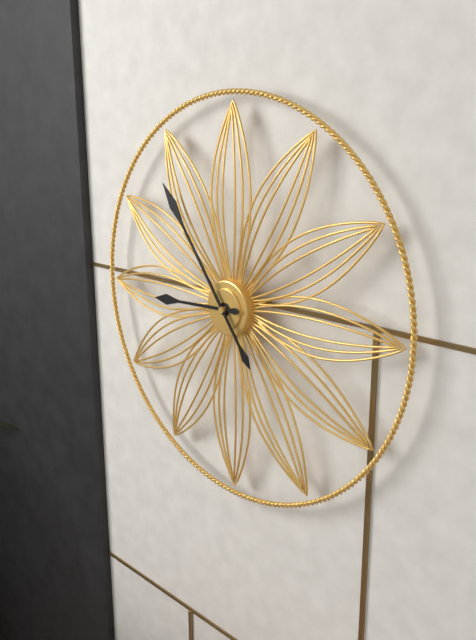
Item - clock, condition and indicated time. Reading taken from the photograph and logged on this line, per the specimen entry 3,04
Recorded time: 8,54
